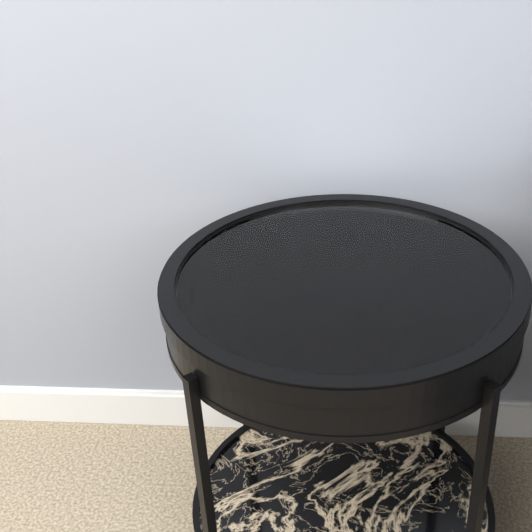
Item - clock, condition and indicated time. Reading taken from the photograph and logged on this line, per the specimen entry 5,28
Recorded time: 12,07
